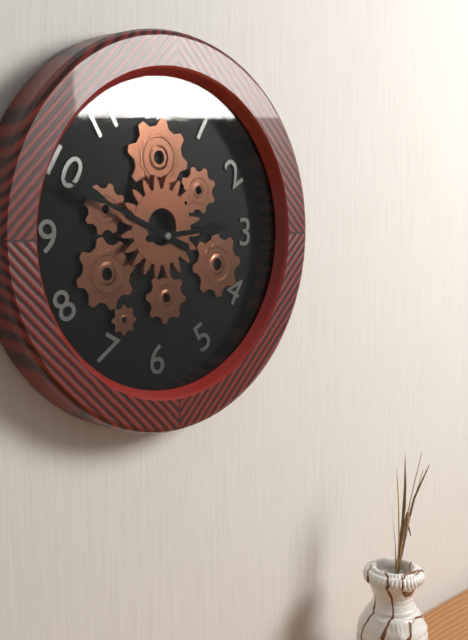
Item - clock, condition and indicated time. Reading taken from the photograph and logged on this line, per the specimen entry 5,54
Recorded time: 2,49
